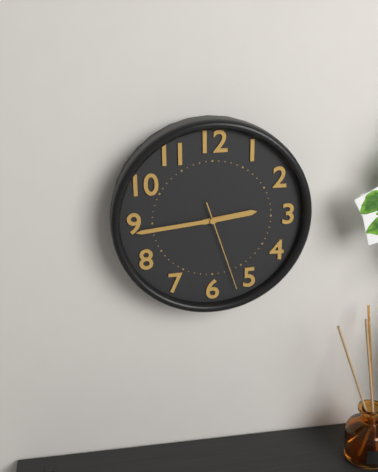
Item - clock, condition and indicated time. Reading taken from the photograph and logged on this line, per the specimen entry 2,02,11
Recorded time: 2,44,27
